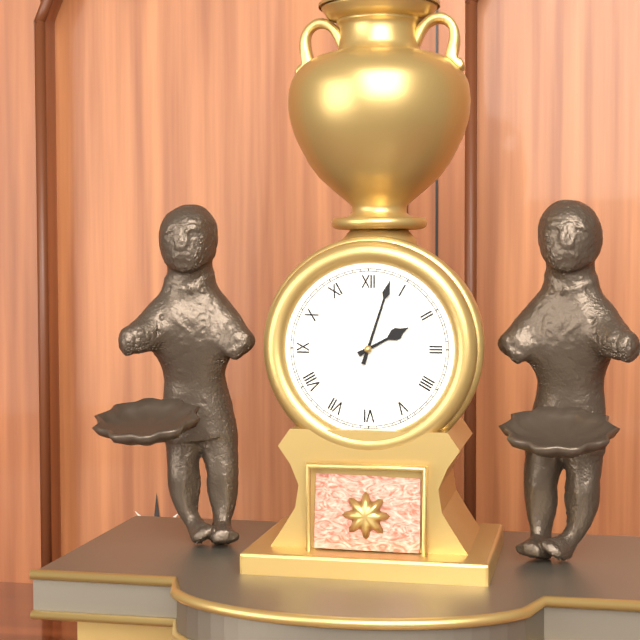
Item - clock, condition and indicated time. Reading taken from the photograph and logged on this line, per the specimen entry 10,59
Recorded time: 2,03
